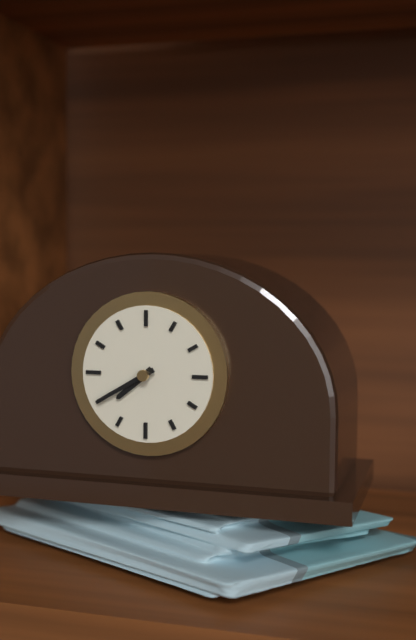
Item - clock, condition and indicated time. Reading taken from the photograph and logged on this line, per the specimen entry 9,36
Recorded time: 7,40
